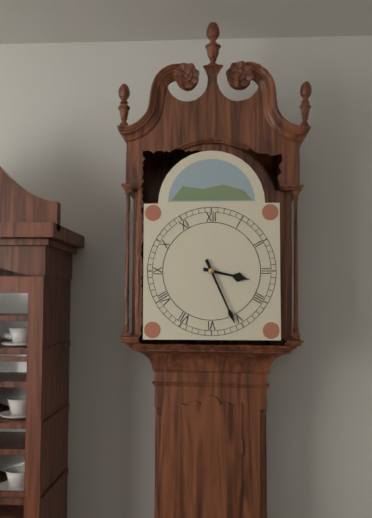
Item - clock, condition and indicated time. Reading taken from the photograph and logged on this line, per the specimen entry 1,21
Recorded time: 3,26
